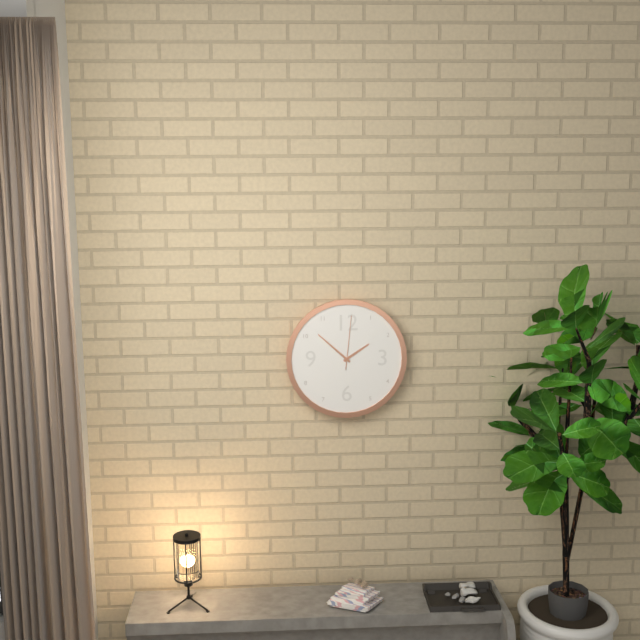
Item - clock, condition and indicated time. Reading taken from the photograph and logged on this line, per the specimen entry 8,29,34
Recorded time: 1,52,01
